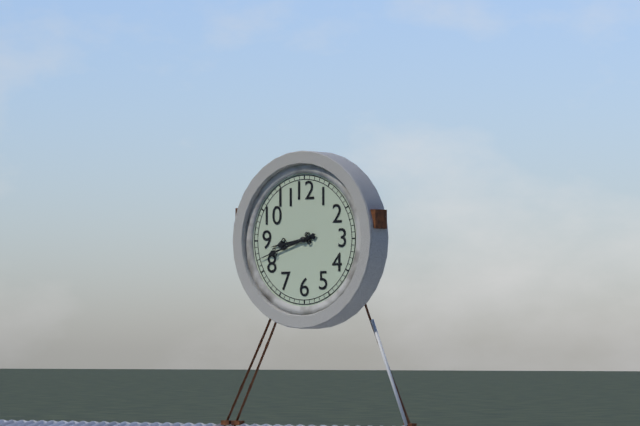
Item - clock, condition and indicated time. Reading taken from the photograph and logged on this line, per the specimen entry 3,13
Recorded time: 8,42
